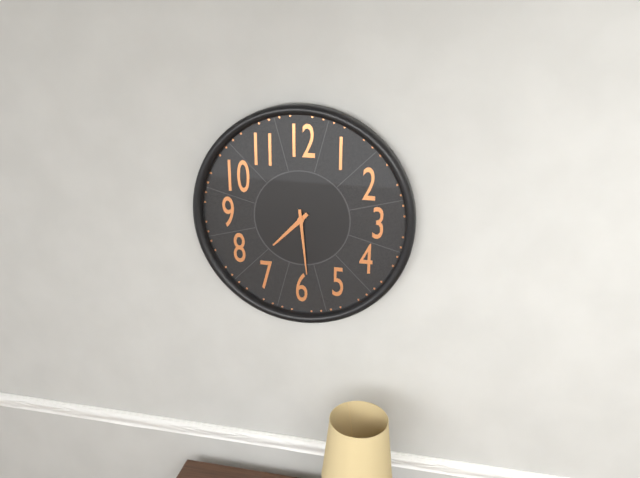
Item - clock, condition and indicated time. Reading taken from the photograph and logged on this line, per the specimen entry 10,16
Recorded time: 7,29
